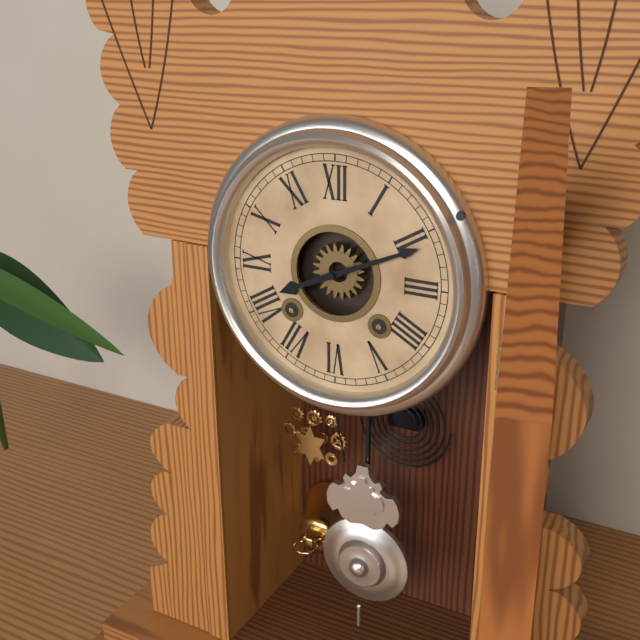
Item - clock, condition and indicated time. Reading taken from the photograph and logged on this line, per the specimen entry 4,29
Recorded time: 8,11
